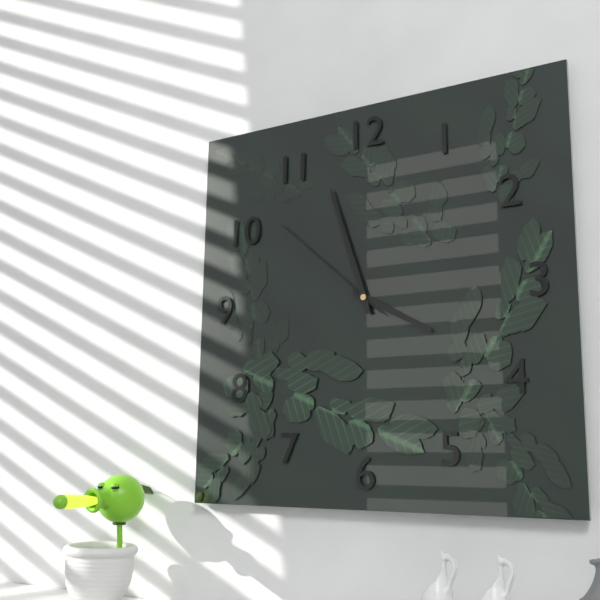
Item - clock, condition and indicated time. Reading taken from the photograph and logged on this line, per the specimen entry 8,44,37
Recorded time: 3,57,52
